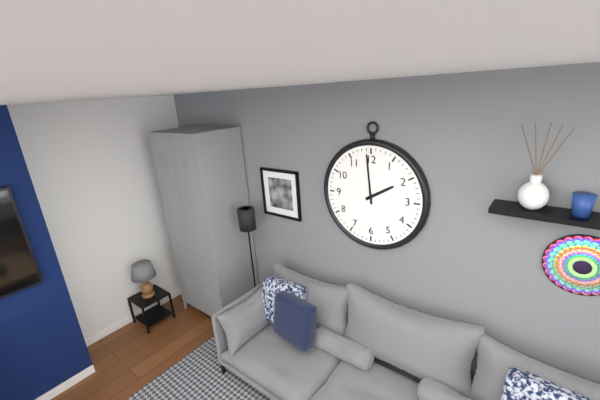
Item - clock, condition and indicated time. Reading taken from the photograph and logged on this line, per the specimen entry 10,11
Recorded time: 1,59
